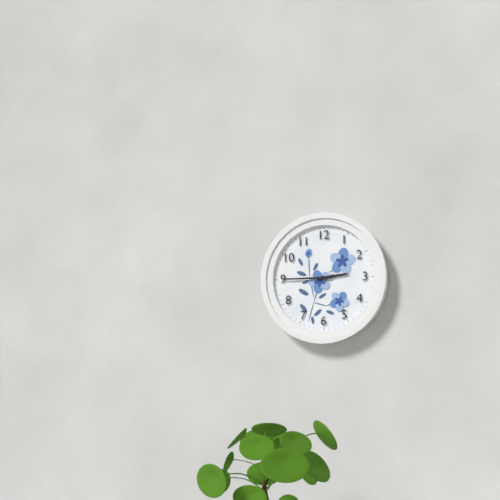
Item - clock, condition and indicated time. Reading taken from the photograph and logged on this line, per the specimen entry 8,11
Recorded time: 2,45
